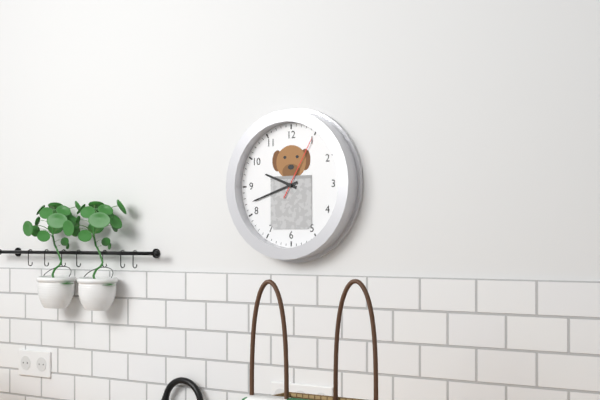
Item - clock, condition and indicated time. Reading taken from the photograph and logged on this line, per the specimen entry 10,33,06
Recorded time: 9,42,05
